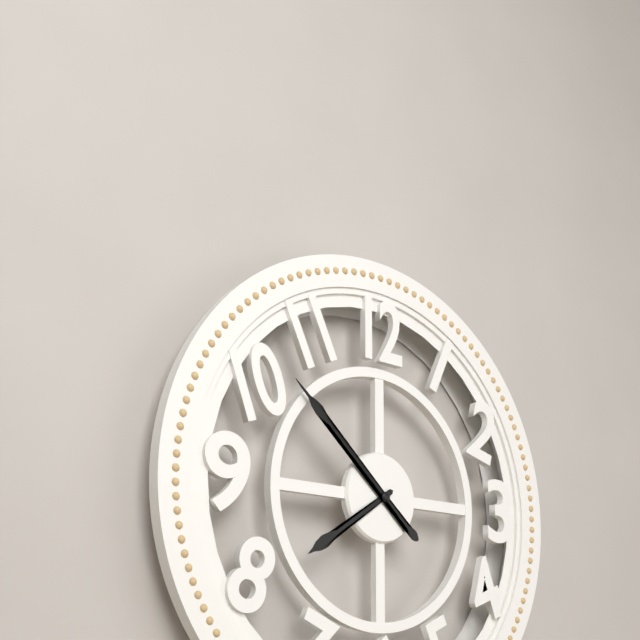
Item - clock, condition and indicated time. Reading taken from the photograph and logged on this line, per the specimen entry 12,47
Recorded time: 7,52
